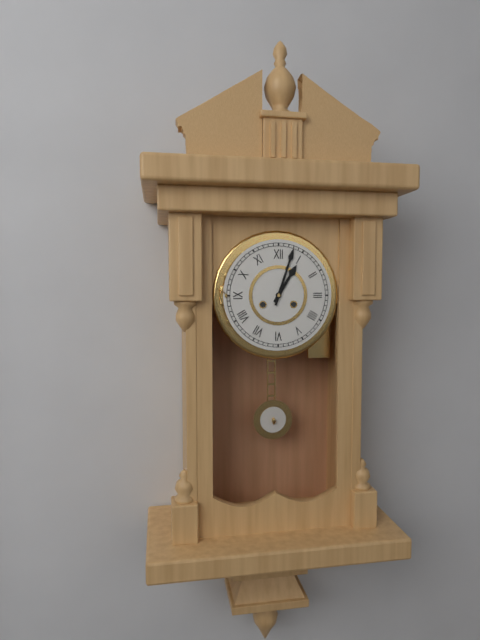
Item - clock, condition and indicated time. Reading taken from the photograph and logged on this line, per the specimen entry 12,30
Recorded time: 1,03
